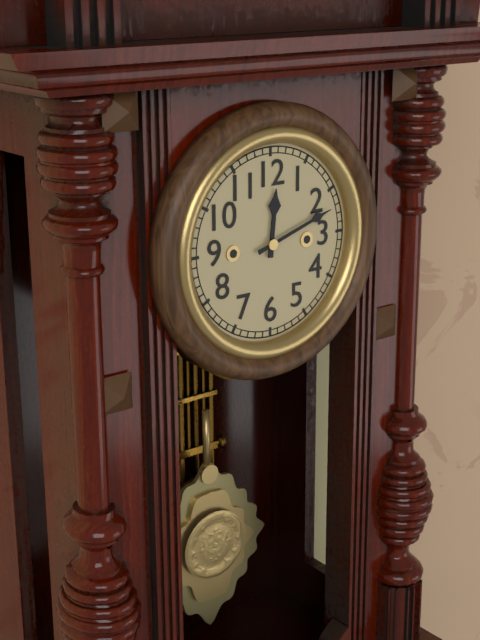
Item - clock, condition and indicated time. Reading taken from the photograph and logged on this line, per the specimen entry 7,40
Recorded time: 12,12
